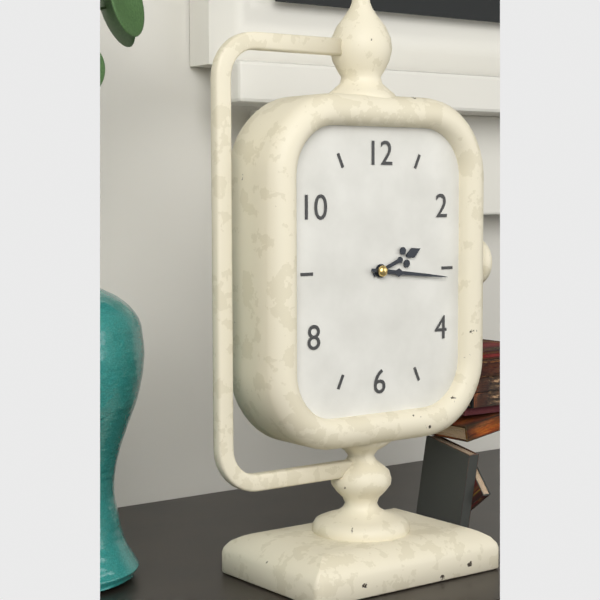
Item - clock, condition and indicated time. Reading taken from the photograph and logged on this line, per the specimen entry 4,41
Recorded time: 2,16
